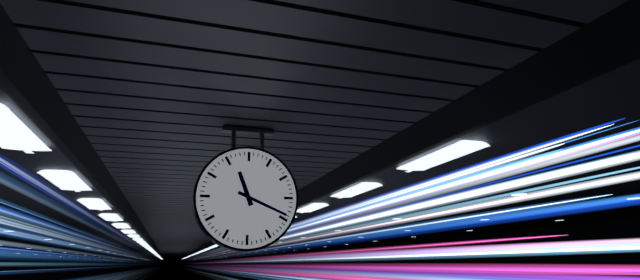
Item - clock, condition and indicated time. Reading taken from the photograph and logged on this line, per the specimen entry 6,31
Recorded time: 11,19
